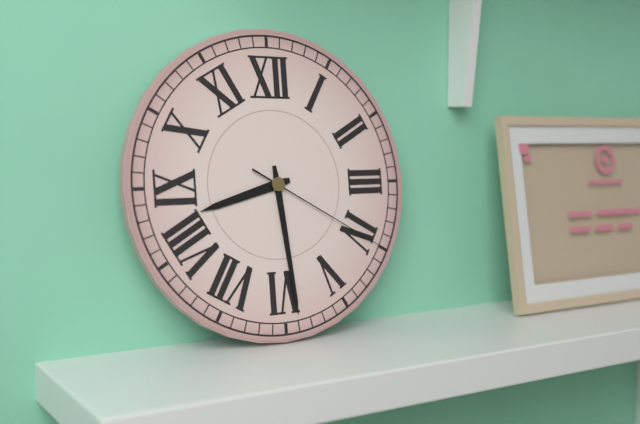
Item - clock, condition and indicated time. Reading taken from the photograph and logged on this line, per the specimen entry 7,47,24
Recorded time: 8,29,20
